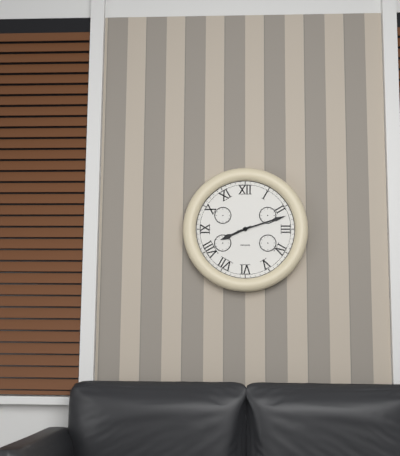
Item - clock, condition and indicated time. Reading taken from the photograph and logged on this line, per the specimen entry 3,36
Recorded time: 8,12
